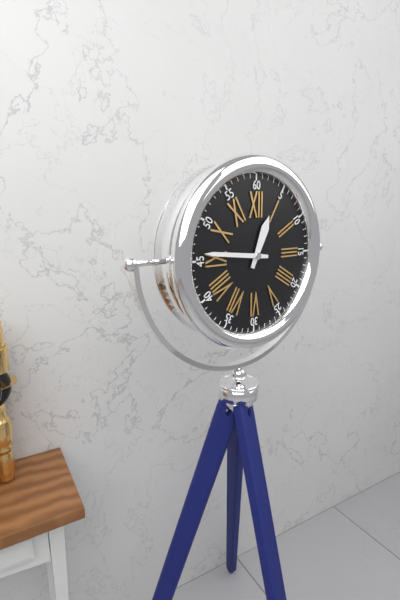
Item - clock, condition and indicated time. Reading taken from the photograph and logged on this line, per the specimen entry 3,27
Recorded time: 12,46
